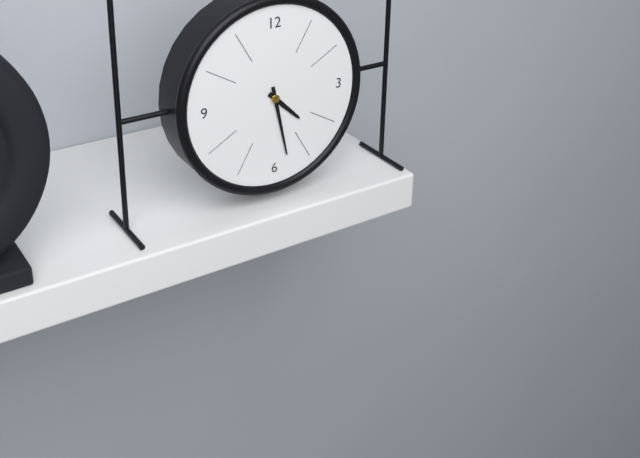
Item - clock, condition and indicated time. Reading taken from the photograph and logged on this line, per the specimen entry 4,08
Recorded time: 4,28
